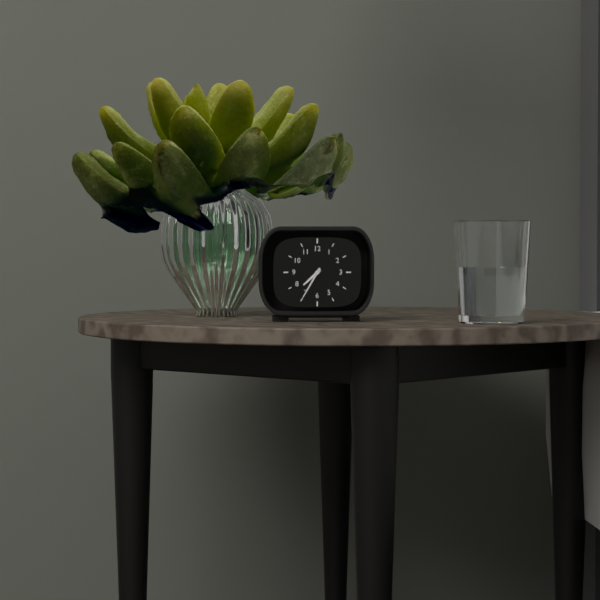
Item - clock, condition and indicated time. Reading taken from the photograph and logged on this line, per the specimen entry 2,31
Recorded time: 7,35
